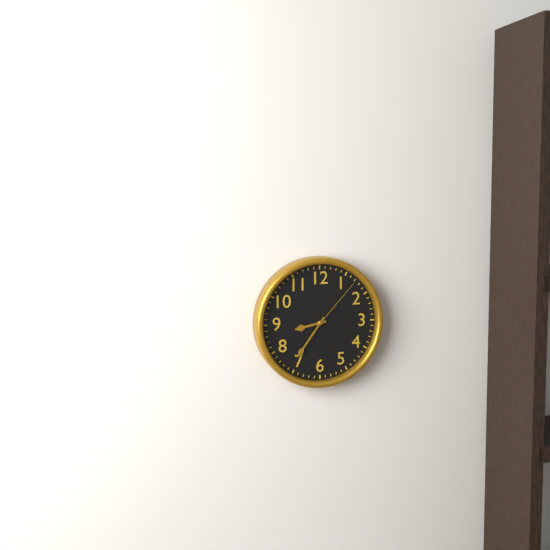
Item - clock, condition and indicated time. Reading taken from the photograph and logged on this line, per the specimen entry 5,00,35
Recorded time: 8,36,07
